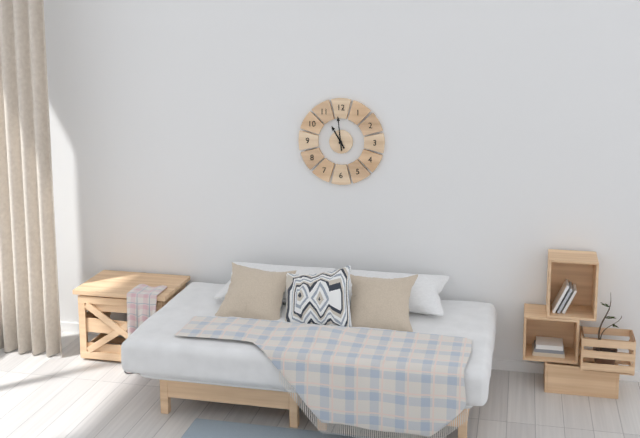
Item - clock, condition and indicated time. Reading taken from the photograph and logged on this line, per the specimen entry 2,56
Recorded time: 10,59
